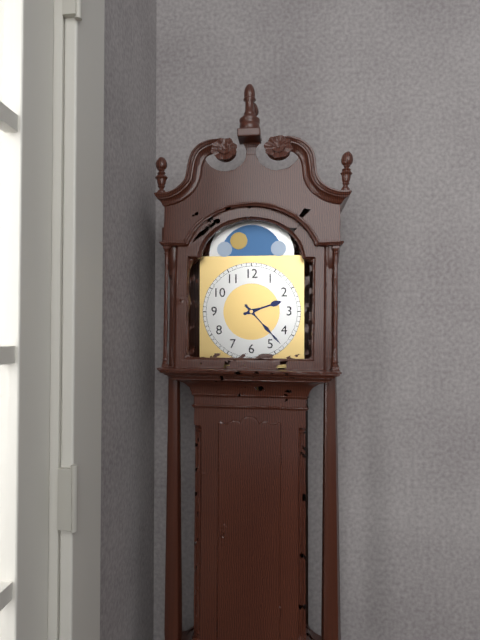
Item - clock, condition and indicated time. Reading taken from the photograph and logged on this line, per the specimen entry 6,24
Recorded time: 2,23
